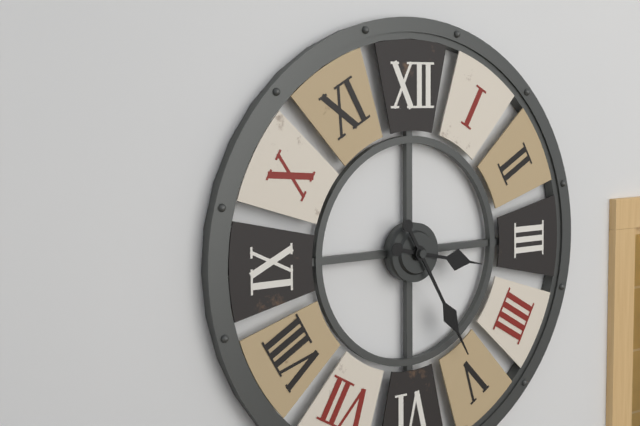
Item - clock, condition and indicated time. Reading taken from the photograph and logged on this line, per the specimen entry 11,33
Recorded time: 3,25
